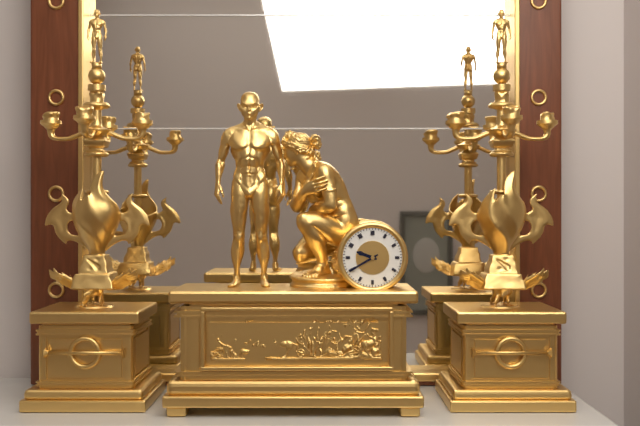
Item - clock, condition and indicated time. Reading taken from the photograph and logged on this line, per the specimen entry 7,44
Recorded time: 9,40
